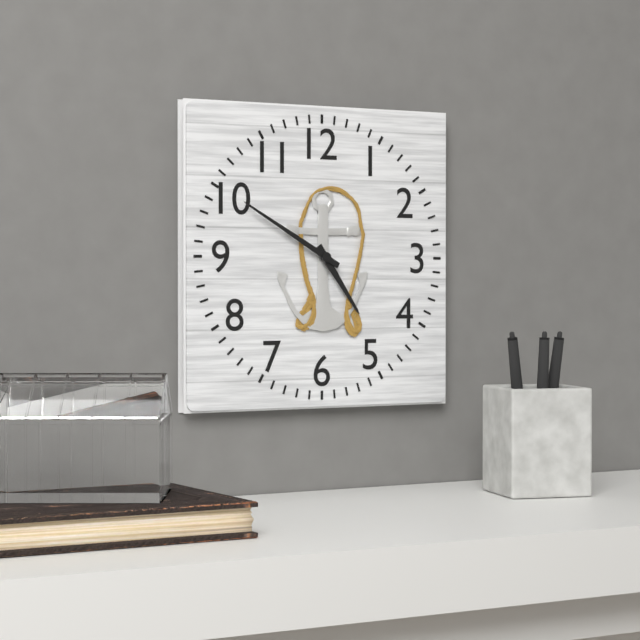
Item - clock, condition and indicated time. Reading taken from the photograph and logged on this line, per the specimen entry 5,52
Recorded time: 4,50
